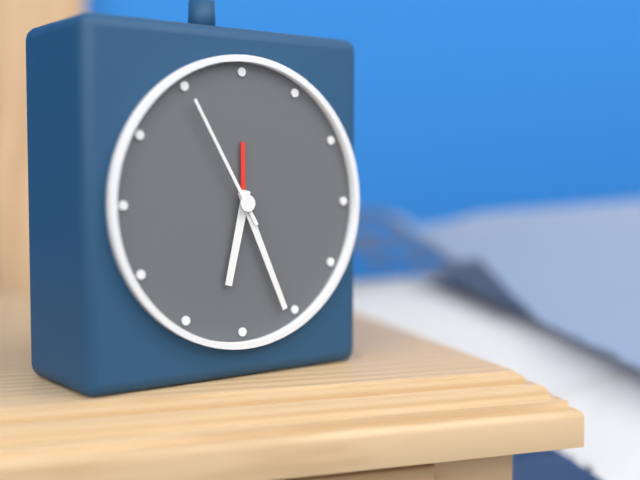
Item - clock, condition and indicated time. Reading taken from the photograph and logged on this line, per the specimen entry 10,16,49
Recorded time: 6,26,55
